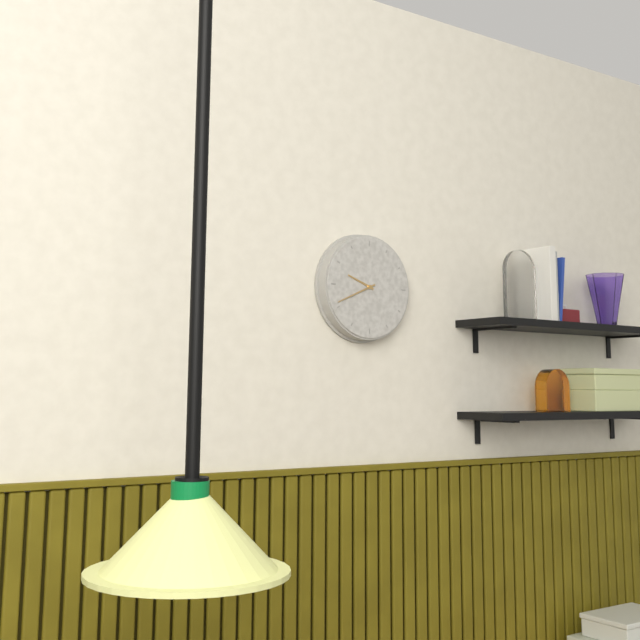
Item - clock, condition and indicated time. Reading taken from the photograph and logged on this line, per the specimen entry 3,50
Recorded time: 9,41
